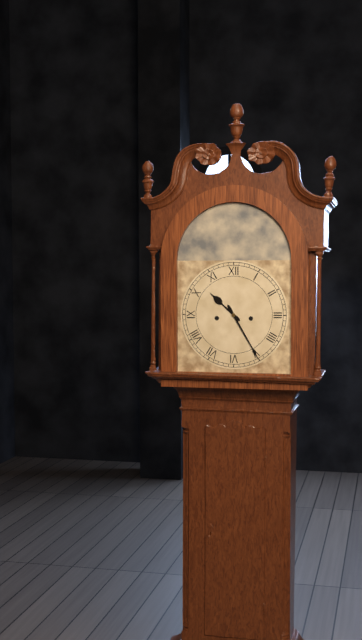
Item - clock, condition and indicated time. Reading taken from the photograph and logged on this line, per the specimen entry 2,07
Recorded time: 10,25
